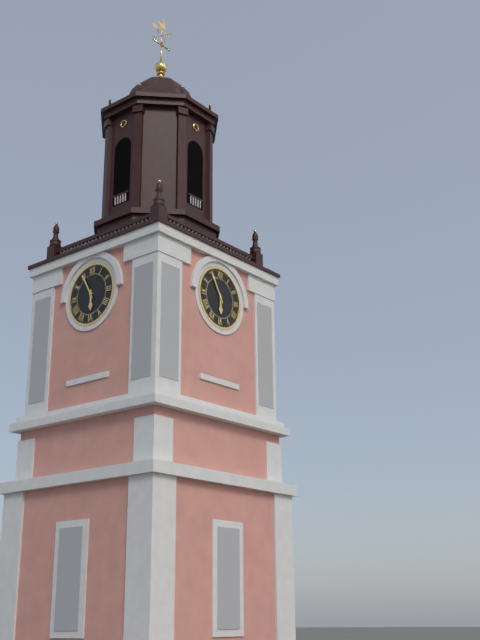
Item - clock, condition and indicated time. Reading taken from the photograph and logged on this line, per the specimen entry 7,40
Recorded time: 5,55
